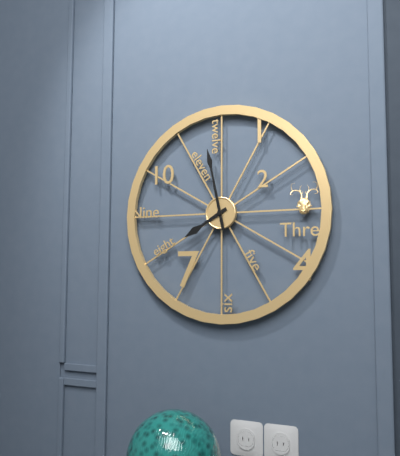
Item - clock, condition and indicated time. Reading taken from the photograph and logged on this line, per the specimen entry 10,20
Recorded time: 7,58
